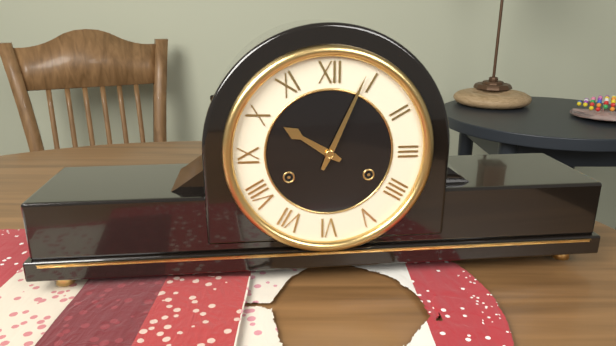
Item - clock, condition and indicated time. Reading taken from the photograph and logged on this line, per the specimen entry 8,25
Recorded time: 10,04
